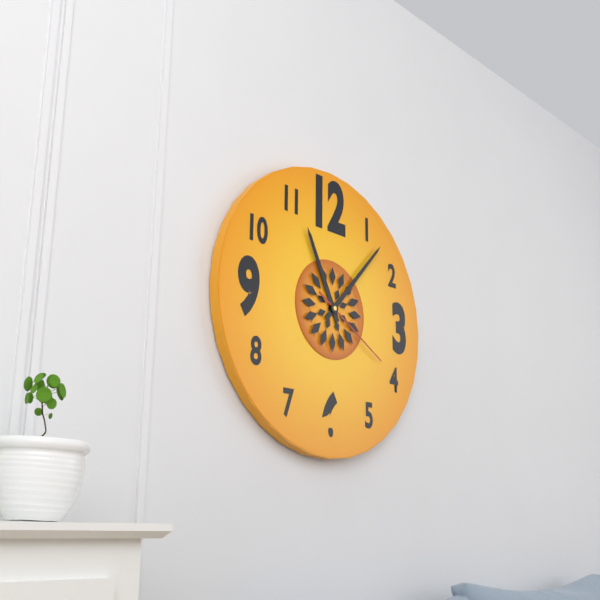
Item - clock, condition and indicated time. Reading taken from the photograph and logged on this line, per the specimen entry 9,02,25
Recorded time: 11,07,20
